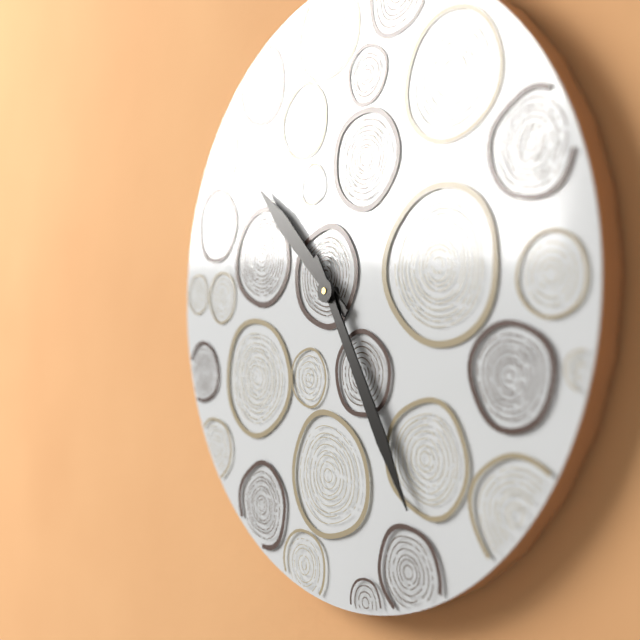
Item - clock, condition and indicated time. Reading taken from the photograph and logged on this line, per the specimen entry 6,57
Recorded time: 10,25
